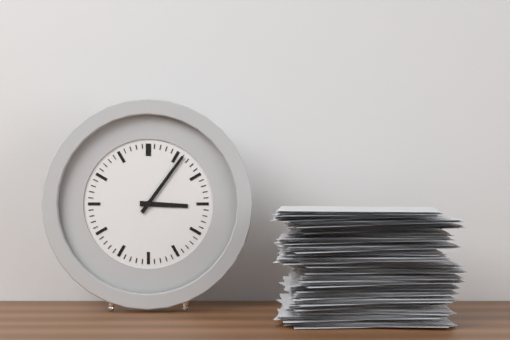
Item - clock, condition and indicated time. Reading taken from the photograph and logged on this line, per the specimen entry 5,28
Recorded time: 3,06
